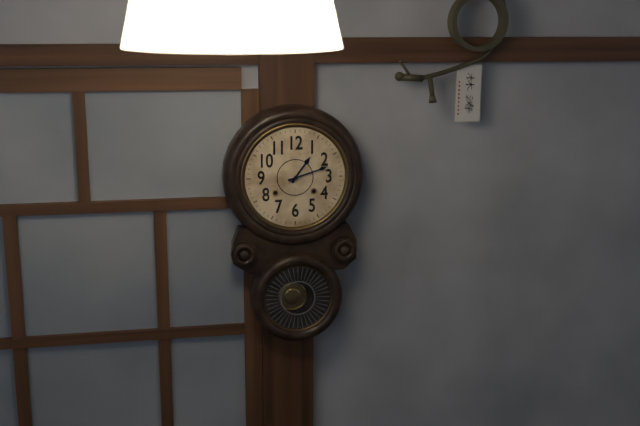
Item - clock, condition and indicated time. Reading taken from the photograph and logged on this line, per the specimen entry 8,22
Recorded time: 1,12
